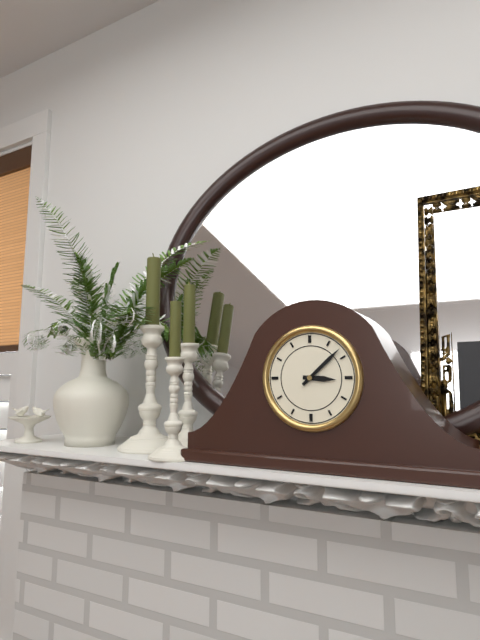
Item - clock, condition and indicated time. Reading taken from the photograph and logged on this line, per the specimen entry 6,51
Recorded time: 3,08
